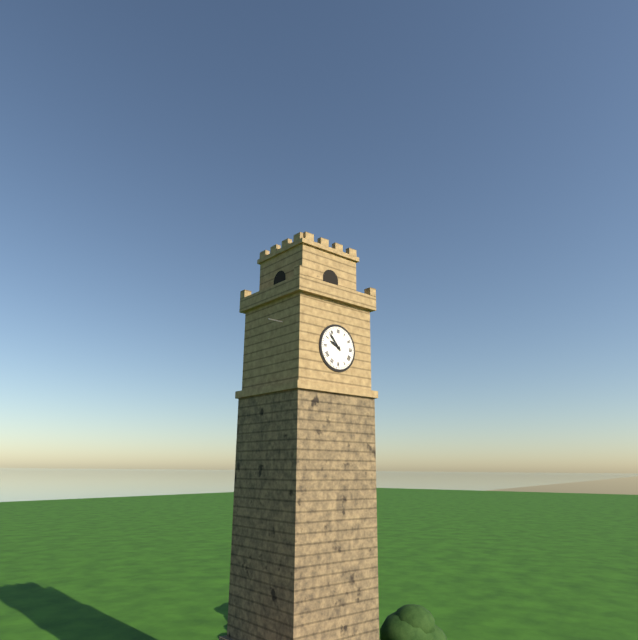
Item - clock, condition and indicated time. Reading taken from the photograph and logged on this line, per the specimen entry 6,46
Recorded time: 9,53
